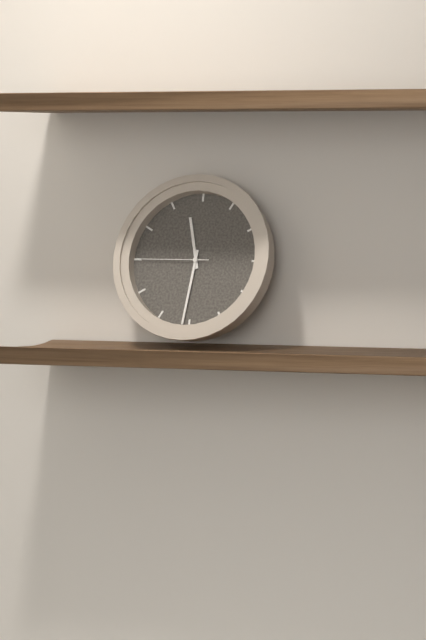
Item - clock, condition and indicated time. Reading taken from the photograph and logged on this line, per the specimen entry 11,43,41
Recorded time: 11,31,45
